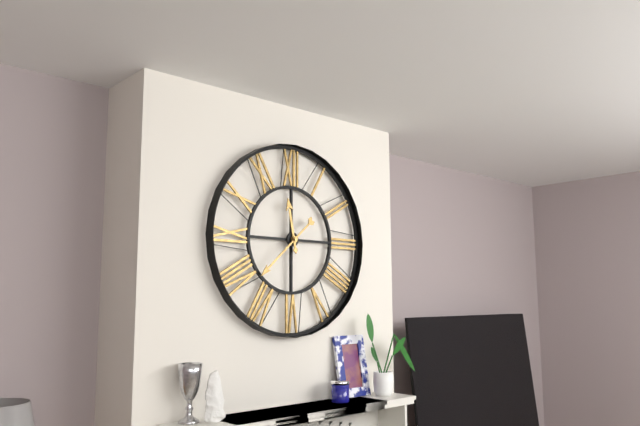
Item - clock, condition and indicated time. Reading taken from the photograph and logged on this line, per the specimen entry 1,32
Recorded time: 11,38
